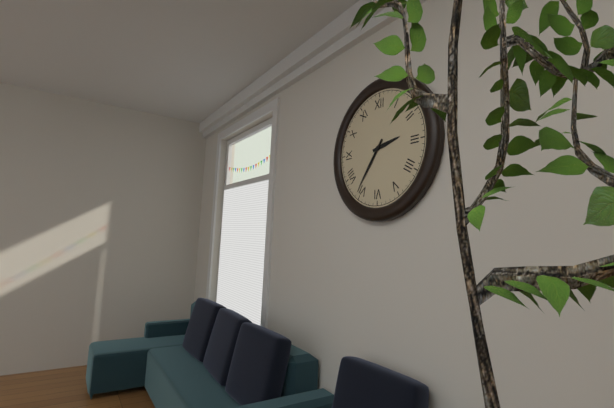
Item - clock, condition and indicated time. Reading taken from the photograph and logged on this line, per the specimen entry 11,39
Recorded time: 2,36
